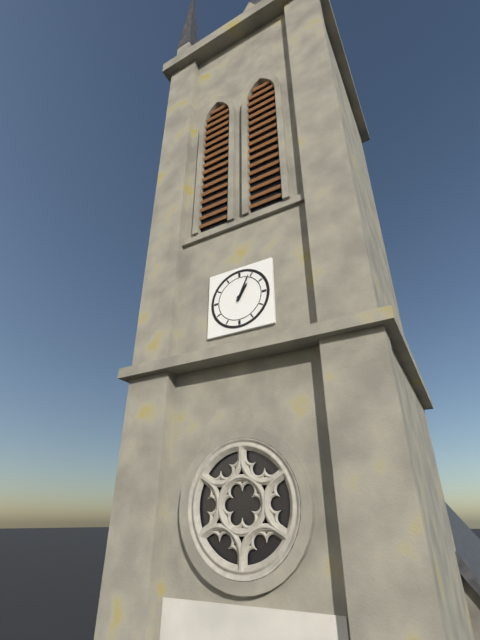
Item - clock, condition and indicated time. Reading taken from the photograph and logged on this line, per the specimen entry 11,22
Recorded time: 1,04
